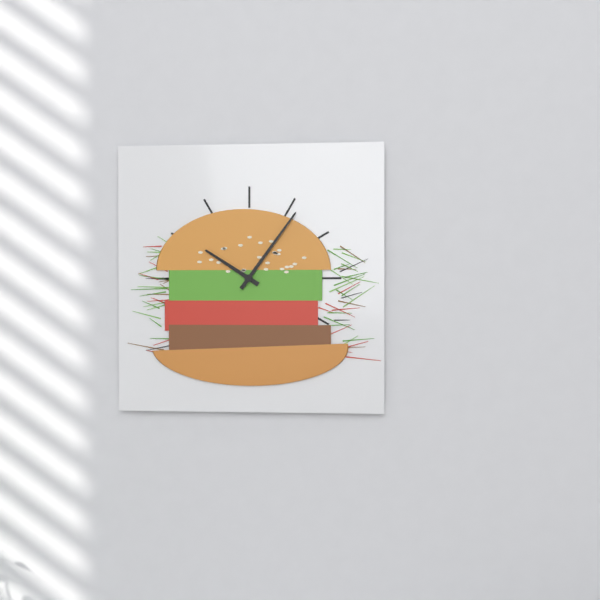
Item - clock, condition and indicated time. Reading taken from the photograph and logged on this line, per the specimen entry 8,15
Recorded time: 10,06
